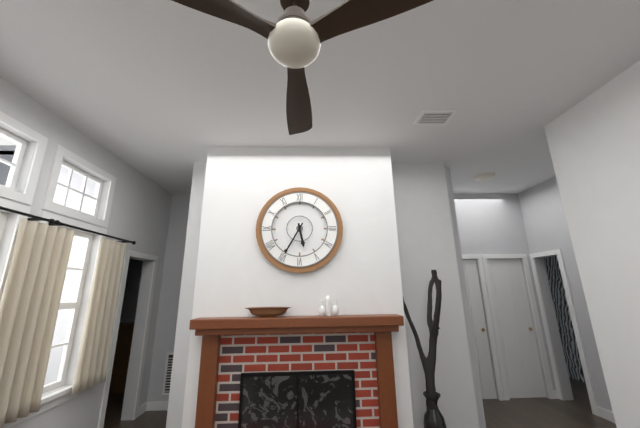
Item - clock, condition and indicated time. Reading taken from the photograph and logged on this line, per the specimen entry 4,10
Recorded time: 5,35
